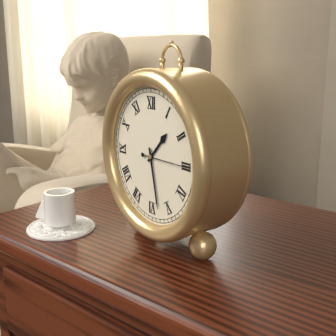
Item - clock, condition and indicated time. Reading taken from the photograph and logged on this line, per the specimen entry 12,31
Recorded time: 1,28
